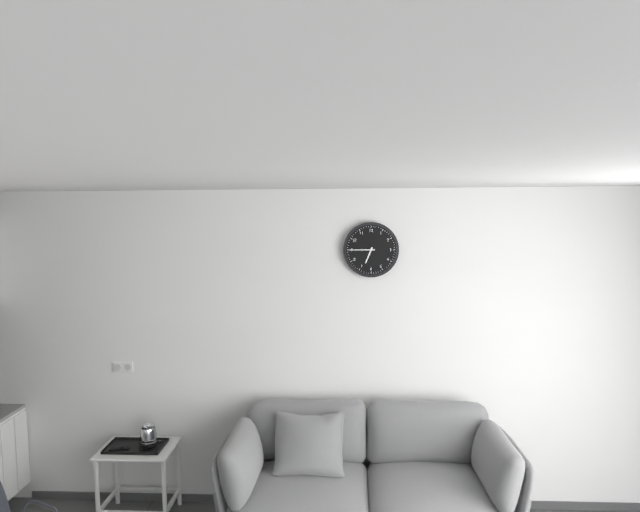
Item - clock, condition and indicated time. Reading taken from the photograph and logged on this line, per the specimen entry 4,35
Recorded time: 6,45
